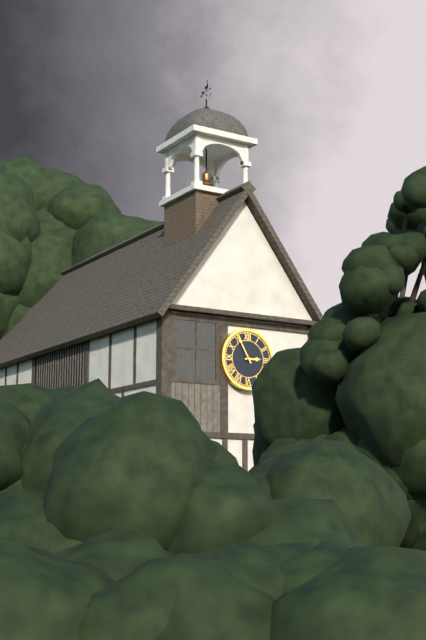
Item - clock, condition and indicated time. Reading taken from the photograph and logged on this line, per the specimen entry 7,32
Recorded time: 2,55
